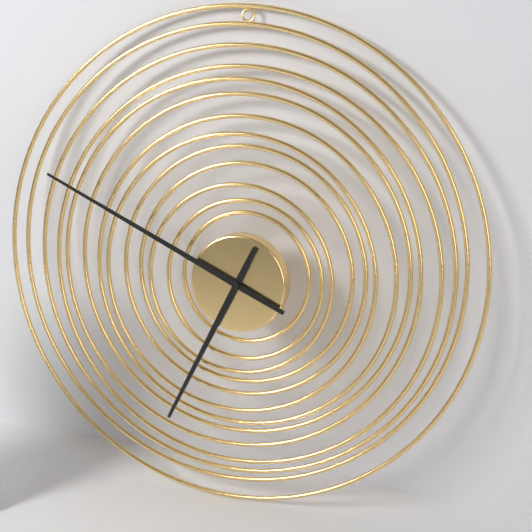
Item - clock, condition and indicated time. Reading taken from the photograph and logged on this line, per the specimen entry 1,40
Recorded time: 6,49
